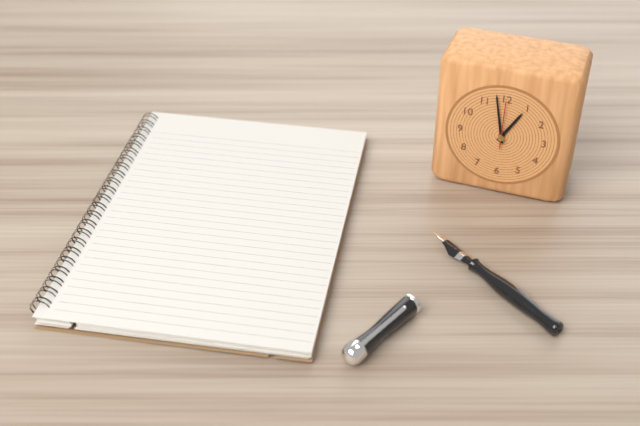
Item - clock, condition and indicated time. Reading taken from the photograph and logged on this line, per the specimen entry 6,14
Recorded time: 12,58
